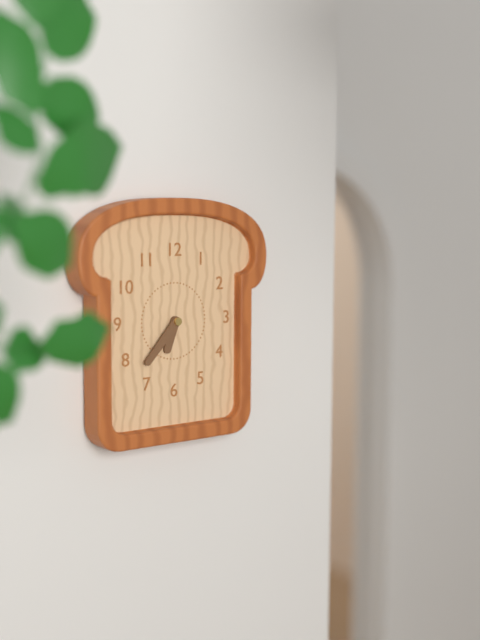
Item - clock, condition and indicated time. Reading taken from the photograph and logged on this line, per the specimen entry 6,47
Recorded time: 6,37
